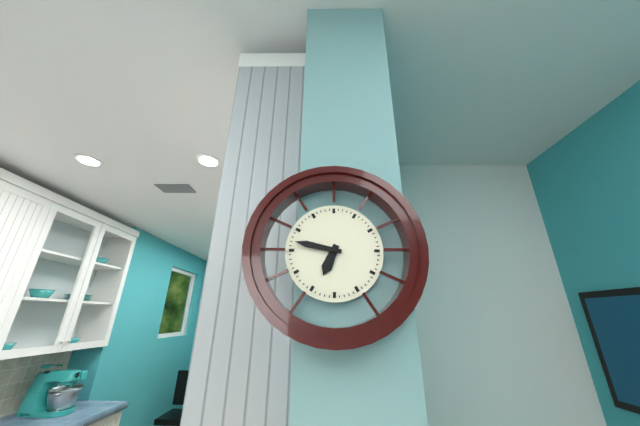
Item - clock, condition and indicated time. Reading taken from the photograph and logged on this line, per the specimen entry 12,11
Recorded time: 6,47
